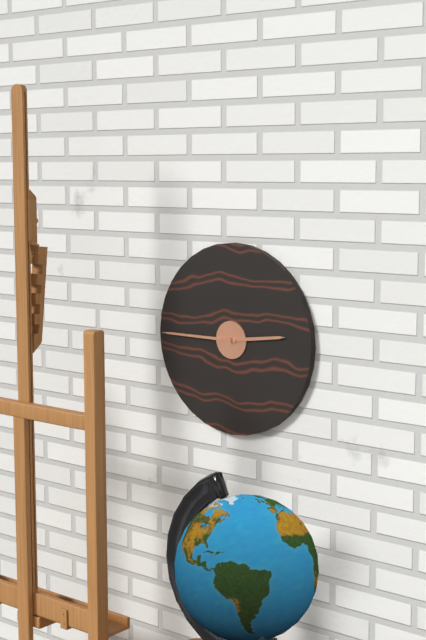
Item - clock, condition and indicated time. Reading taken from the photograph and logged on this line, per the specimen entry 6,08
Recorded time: 2,45
